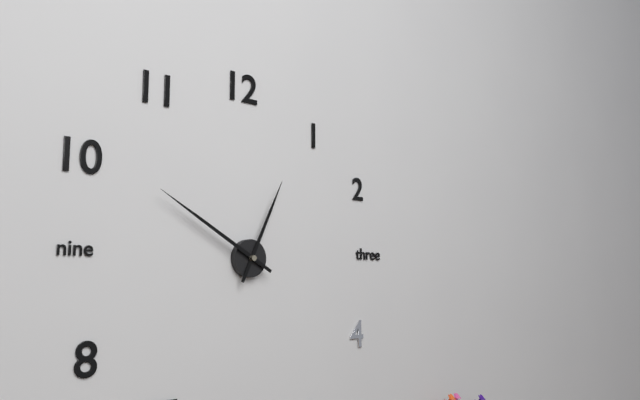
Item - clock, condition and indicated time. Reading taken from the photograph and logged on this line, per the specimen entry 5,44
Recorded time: 12,50
